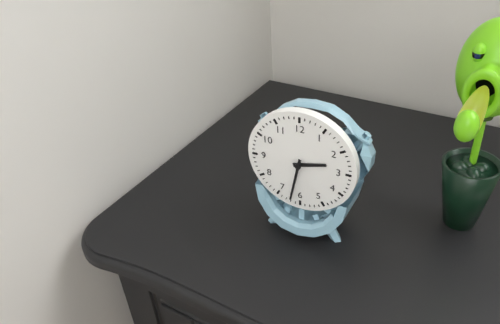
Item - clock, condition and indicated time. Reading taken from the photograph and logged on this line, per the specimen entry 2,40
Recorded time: 2,32
